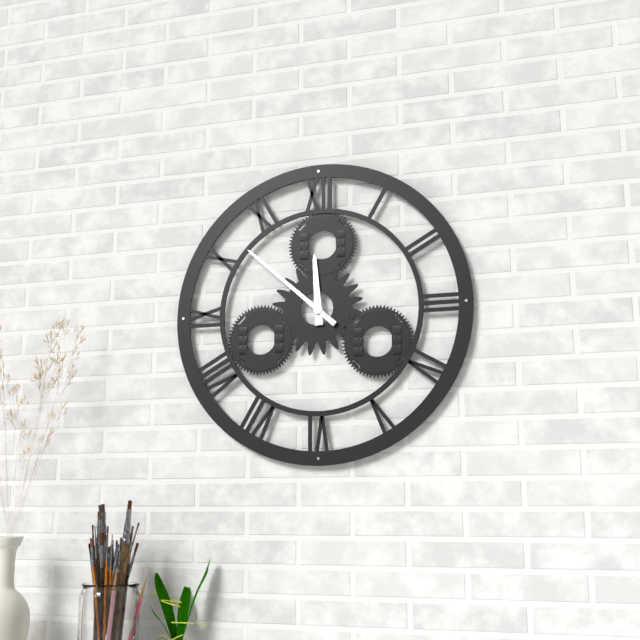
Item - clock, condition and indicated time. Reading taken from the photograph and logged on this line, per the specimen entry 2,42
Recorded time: 11,52
